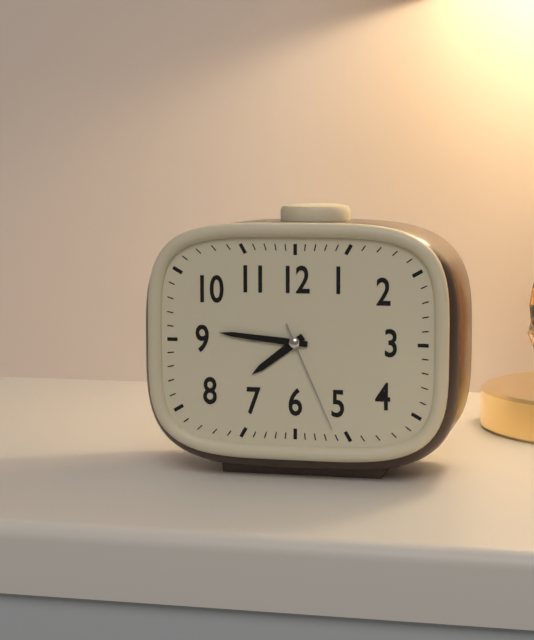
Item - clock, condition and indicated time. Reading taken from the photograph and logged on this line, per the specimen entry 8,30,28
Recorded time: 7,46,26
